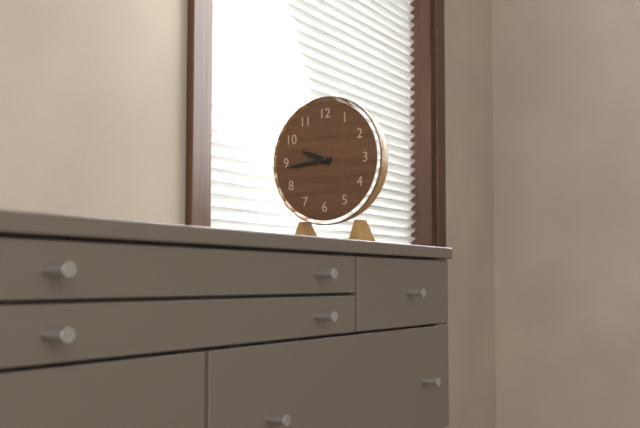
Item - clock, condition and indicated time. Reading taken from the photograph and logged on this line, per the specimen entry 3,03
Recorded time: 9,44
